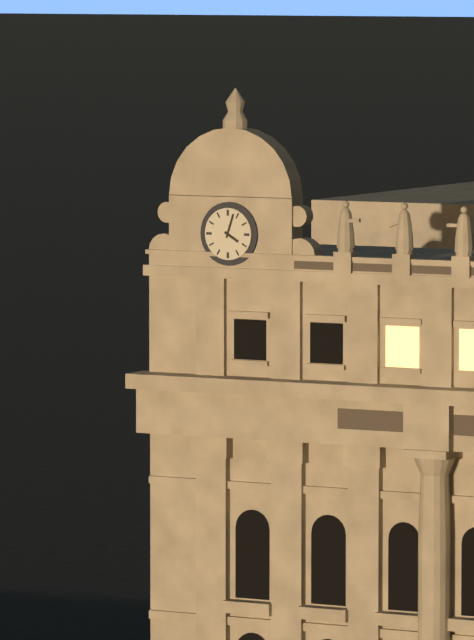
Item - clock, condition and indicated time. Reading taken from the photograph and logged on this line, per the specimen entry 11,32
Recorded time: 4,03
